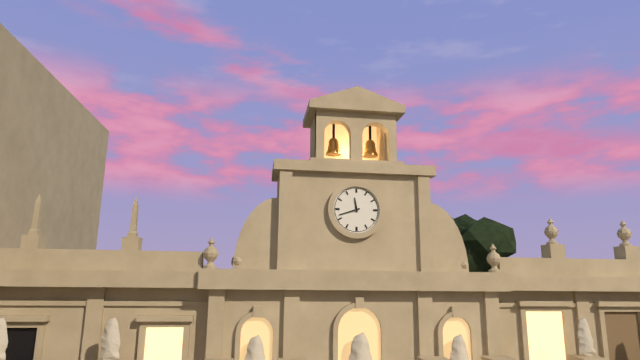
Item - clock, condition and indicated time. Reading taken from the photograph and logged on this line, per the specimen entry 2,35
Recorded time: 11,42
